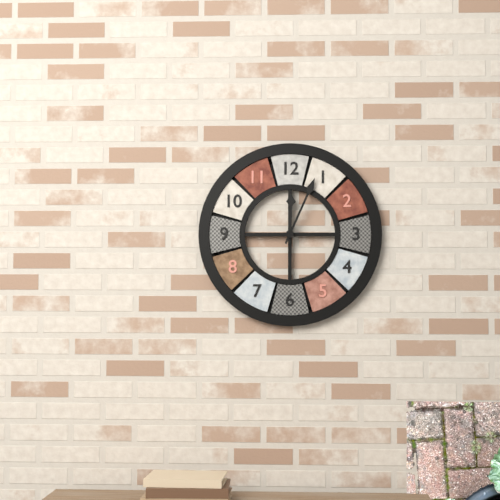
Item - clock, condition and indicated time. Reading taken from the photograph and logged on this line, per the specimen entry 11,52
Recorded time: 12,04
